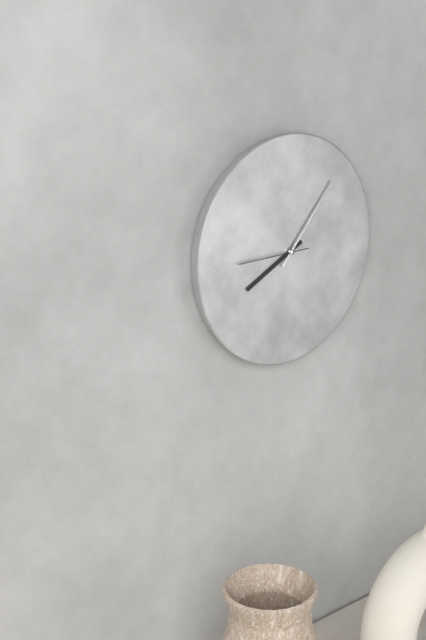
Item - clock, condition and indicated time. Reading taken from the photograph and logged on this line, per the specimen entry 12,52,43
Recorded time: 8,07,45
